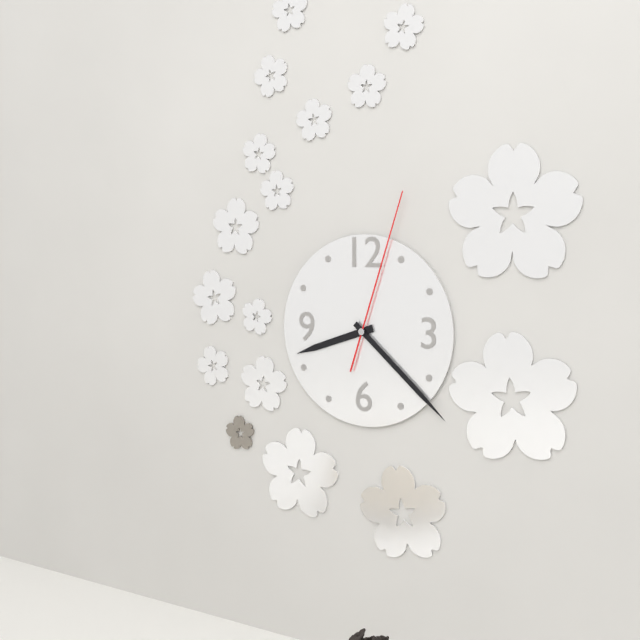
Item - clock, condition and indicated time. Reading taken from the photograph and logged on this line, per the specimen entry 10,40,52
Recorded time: 8,22,03
